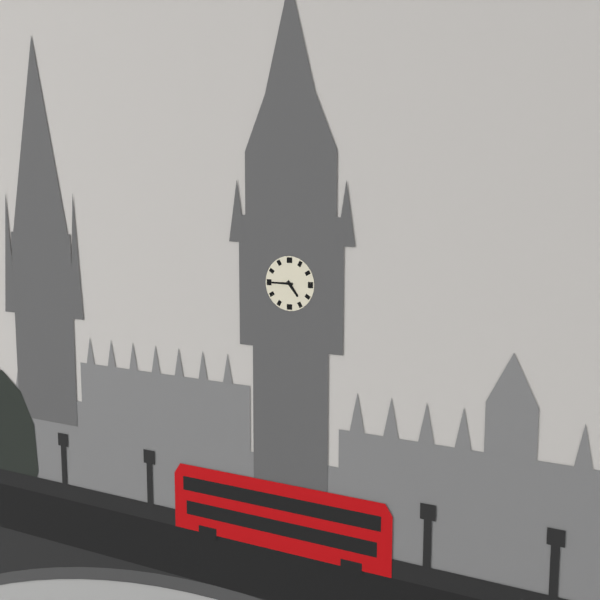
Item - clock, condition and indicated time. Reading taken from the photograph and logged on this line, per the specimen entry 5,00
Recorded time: 4,45
